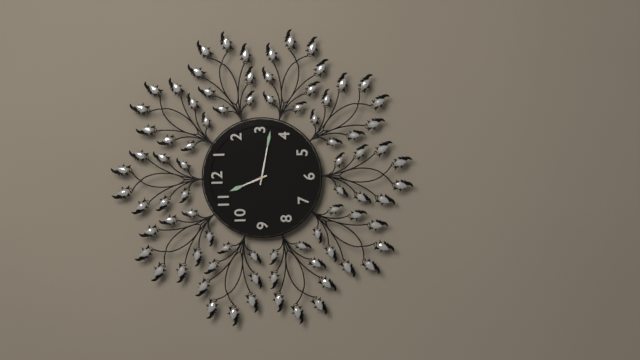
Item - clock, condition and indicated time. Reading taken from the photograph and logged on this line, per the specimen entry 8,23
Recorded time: 11,17
